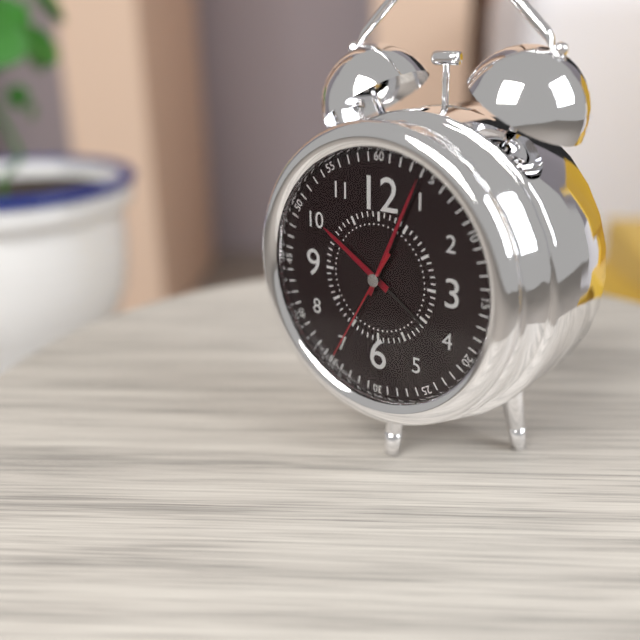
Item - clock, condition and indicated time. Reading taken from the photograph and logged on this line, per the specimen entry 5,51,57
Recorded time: 10,04,35
